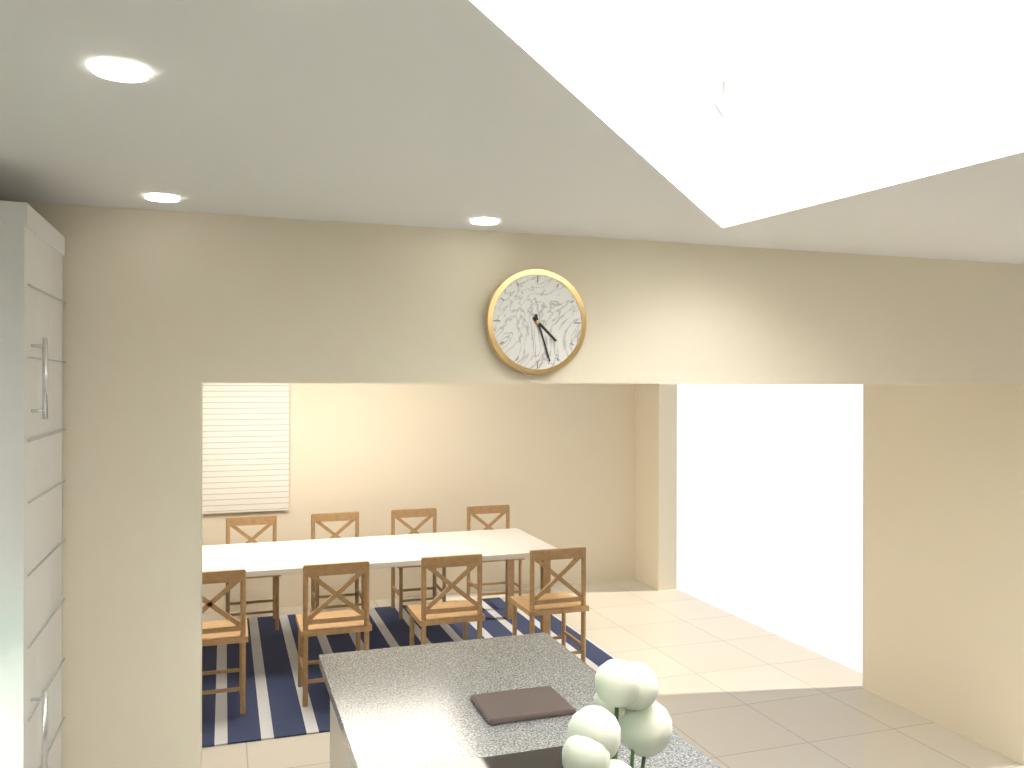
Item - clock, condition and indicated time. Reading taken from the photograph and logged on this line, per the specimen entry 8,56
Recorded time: 4,27
